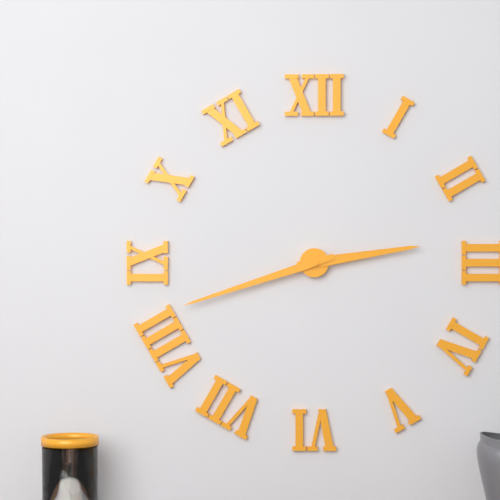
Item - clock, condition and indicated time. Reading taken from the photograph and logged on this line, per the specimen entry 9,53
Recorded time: 2,42
